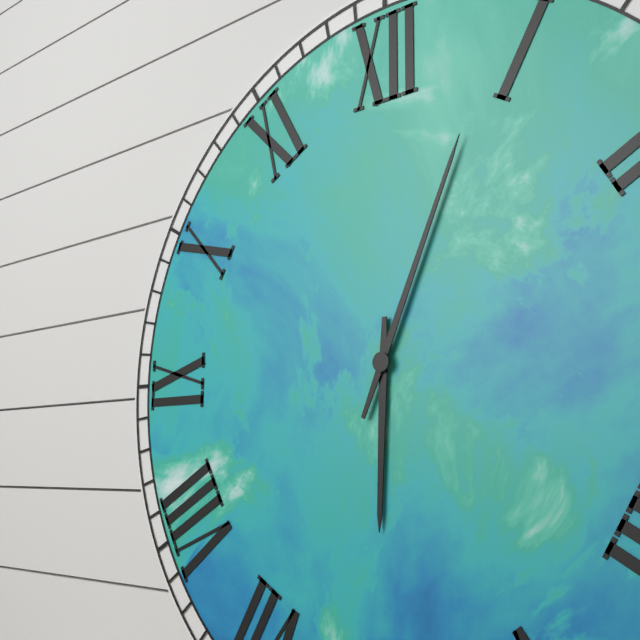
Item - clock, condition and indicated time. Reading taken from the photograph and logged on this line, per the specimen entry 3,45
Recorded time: 6,04
